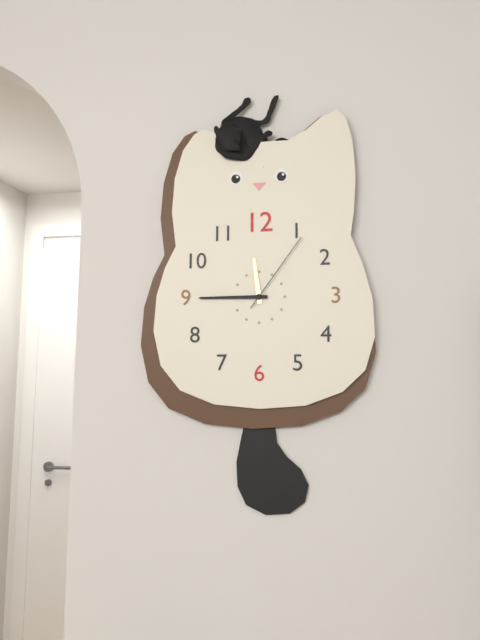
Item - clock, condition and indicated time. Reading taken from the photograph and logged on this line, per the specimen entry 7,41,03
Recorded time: 11,45,06
